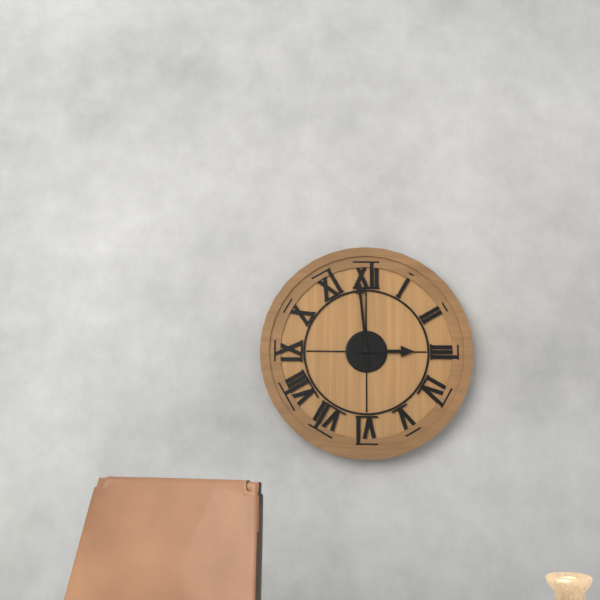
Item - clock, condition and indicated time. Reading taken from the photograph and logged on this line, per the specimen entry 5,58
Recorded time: 2,59
